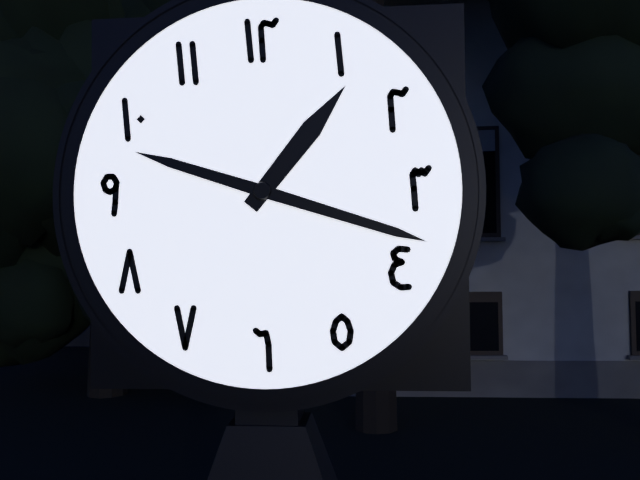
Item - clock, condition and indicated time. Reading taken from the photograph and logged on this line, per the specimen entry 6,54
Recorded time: 1,18
